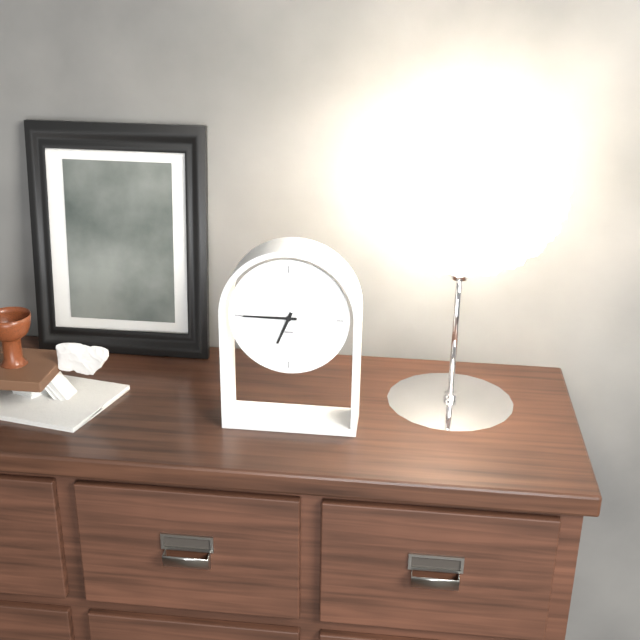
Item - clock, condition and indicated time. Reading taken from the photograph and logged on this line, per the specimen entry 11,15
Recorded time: 6,45
